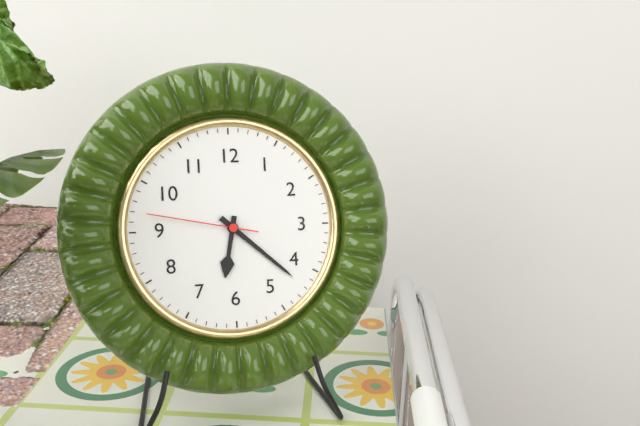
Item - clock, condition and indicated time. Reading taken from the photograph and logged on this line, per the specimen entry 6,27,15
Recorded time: 6,22,47
